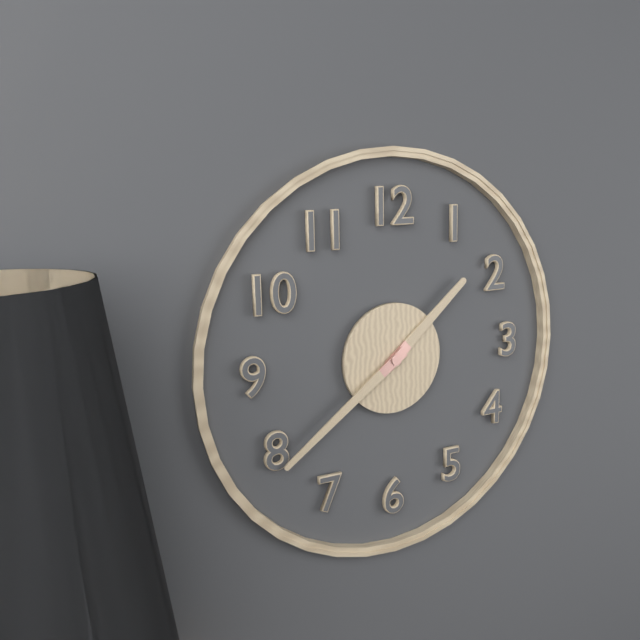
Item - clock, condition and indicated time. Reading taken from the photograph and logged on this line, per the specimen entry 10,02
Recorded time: 1,39
